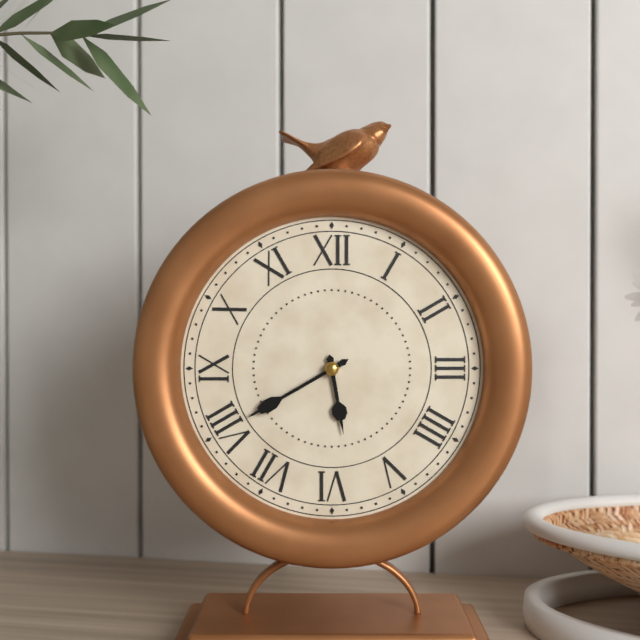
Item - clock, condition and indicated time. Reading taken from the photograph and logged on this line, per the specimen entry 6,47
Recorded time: 5,40
